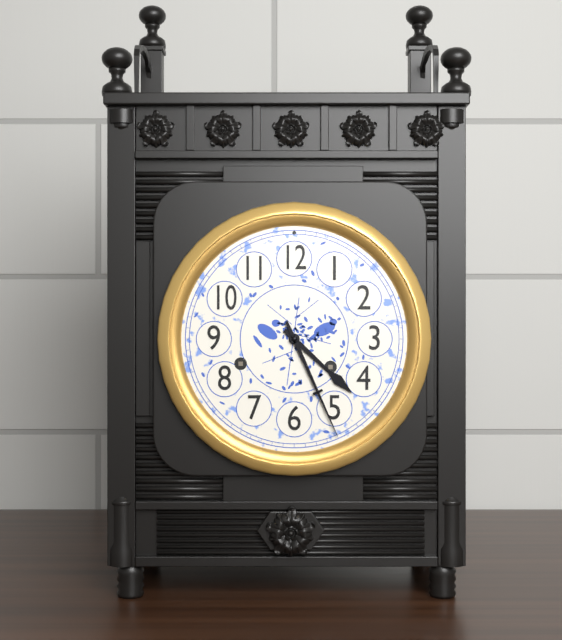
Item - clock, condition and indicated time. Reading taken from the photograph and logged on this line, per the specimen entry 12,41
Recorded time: 4,26
